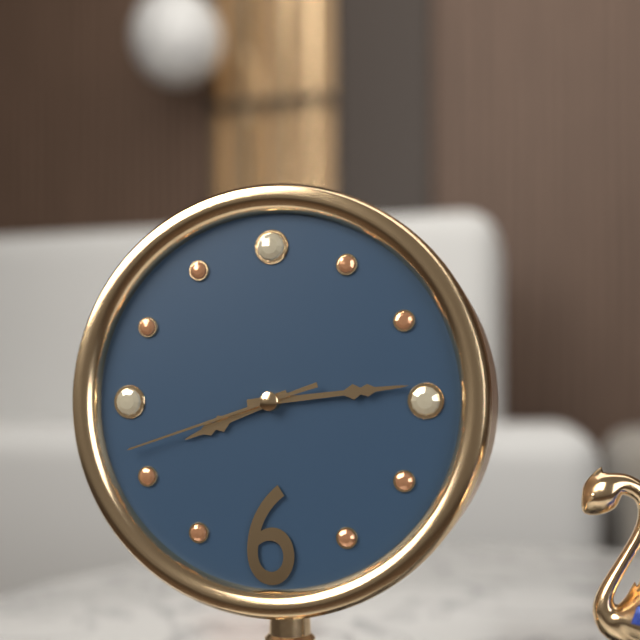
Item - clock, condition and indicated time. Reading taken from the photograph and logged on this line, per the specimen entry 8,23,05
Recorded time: 8,14,42
